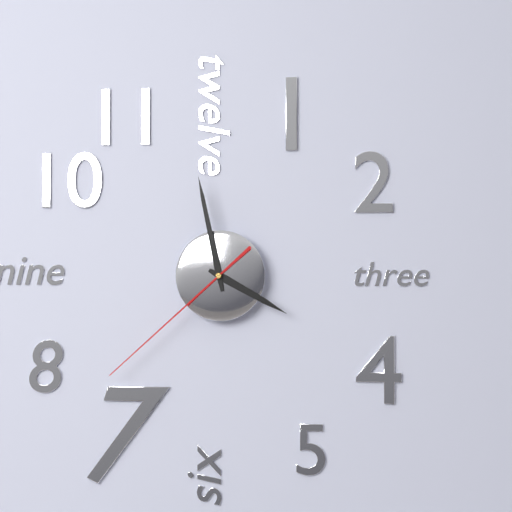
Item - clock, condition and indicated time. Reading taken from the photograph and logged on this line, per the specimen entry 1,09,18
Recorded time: 3,58,38
